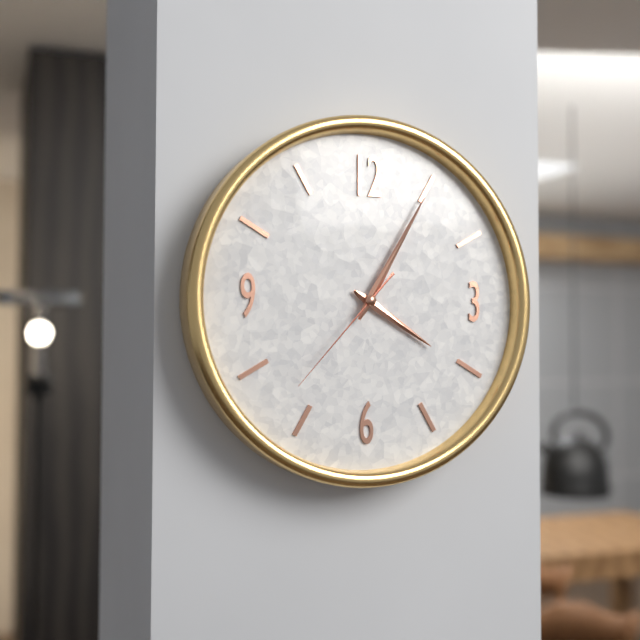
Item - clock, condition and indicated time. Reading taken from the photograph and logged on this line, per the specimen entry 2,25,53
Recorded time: 4,05,37
